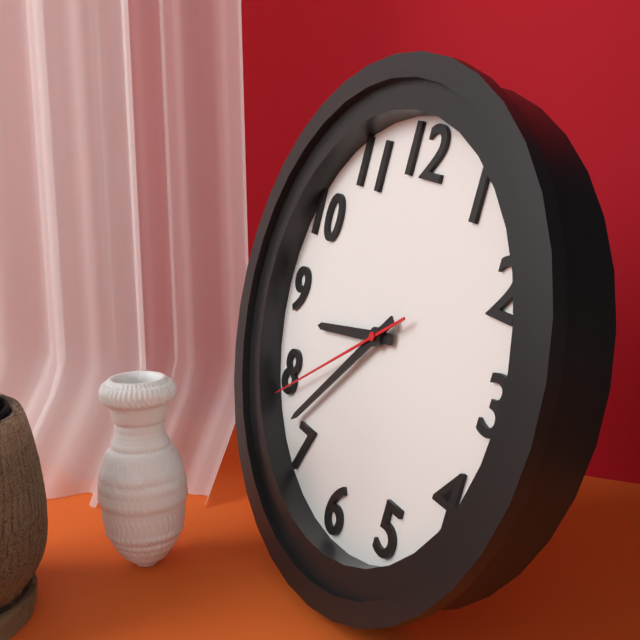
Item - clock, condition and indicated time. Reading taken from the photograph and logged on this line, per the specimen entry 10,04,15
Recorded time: 8,37,39
